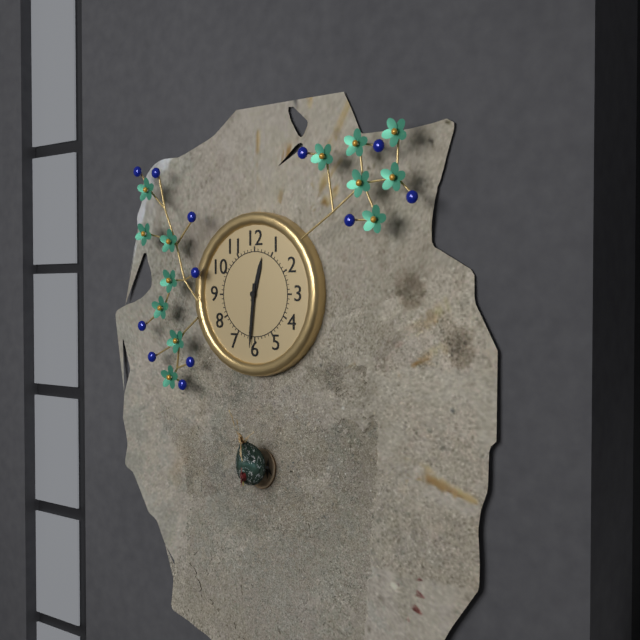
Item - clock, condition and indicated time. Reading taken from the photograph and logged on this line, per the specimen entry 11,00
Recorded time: 12,31
